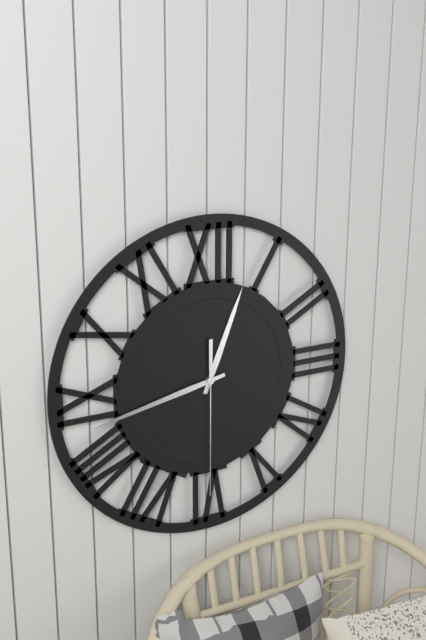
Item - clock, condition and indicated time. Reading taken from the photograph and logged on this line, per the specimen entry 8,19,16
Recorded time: 12,43,30
